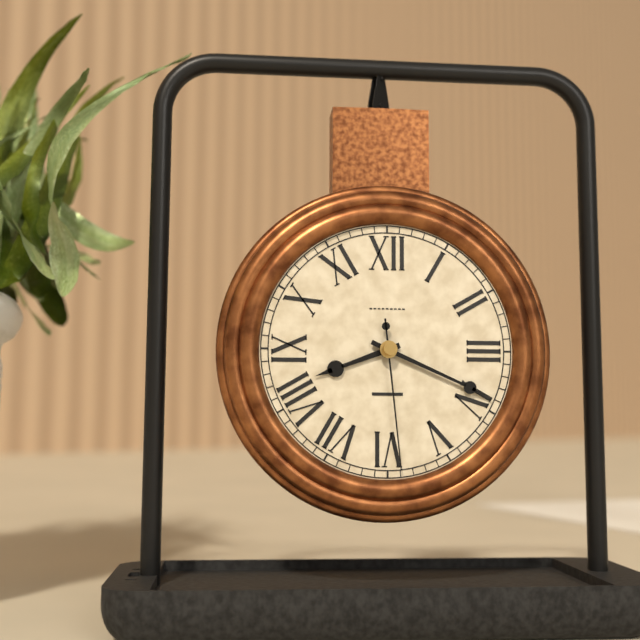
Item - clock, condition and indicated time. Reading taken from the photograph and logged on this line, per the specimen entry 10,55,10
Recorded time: 8,19,29
